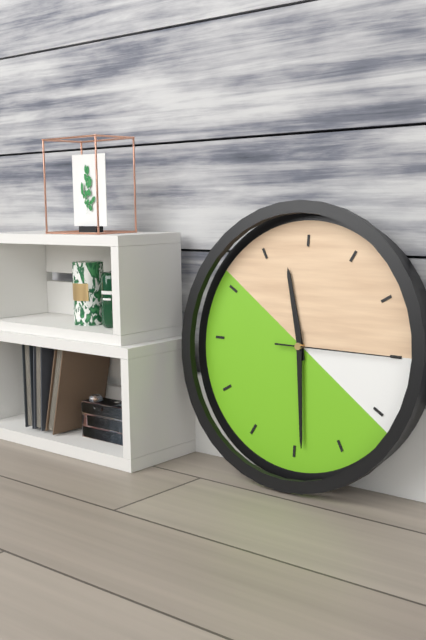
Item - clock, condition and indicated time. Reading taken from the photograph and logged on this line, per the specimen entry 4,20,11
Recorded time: 11,29,15
